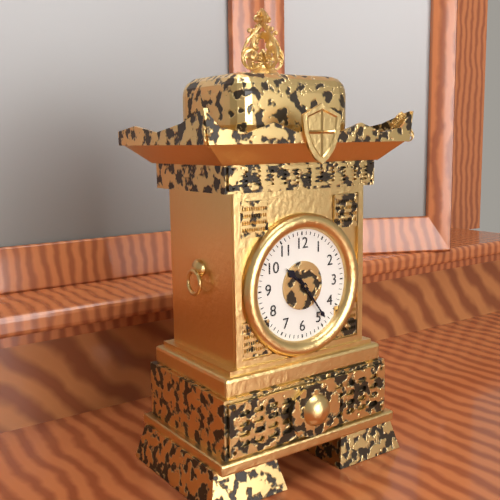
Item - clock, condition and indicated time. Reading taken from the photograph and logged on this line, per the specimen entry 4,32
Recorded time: 10,24
